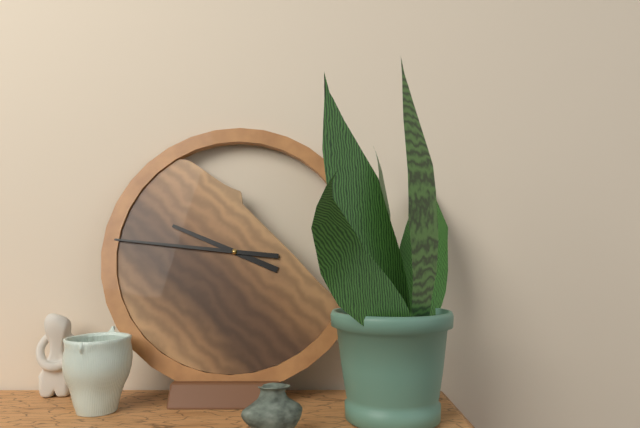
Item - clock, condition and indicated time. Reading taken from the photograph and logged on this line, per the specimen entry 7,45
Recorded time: 9,46
